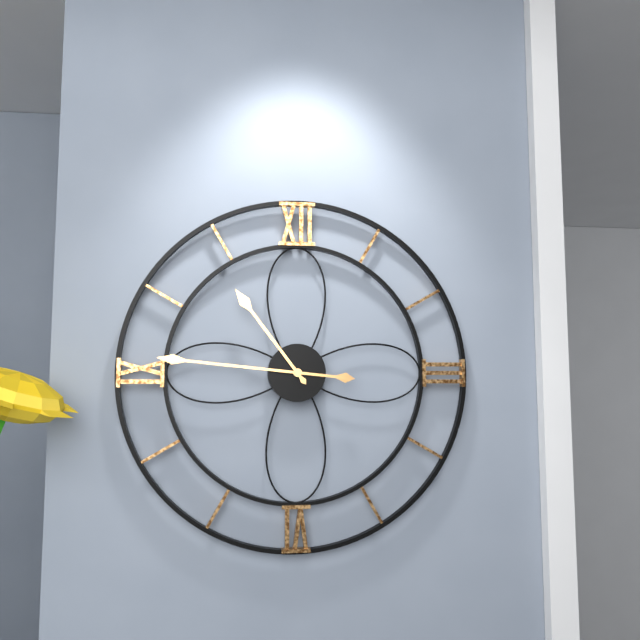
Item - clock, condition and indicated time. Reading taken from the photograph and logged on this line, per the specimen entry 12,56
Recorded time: 10,46
